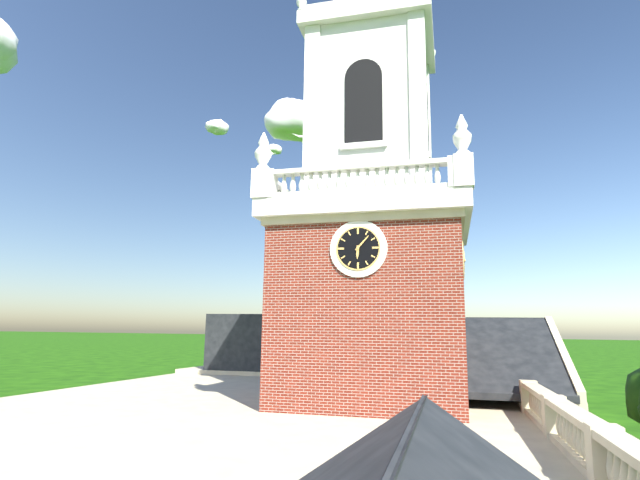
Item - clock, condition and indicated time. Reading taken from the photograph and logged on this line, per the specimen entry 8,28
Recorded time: 6,07
